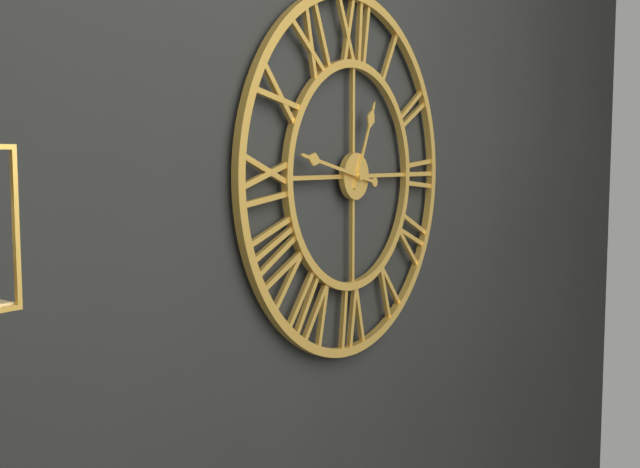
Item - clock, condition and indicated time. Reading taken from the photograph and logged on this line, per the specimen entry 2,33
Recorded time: 12,47
